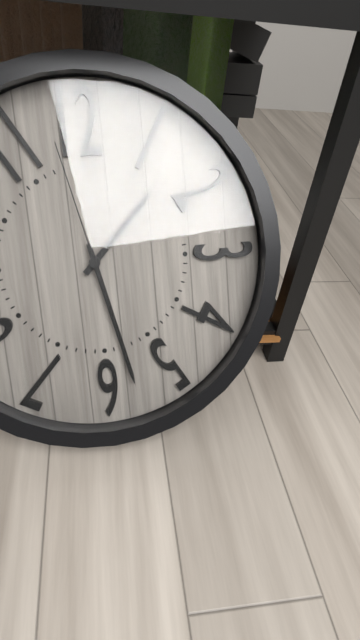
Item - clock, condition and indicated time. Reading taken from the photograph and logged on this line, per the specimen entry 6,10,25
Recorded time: 1,28,58
